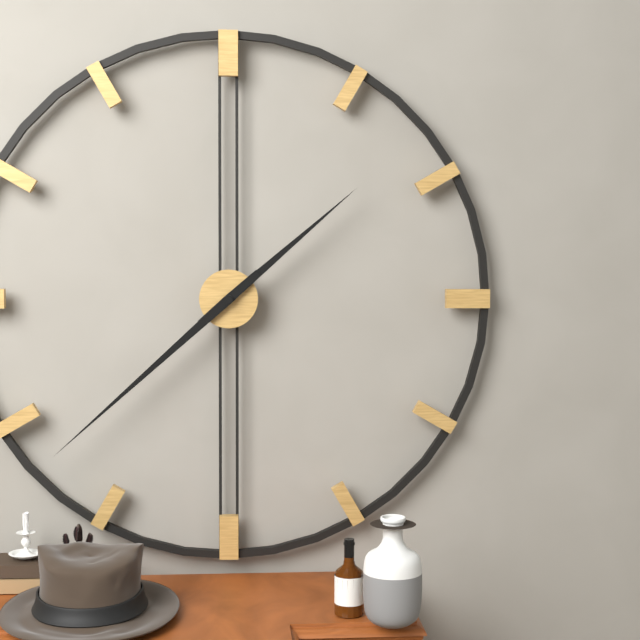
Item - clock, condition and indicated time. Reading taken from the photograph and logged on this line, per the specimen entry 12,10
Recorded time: 1,38
